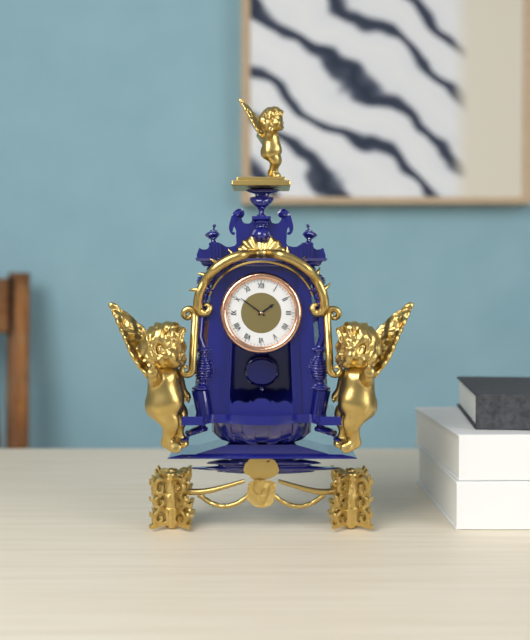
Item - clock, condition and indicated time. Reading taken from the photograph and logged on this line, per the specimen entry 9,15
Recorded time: 1,51
